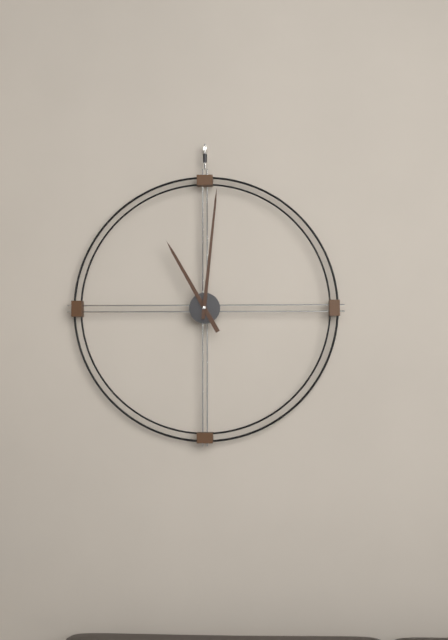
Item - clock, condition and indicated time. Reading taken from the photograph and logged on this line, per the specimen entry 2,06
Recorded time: 11,01
